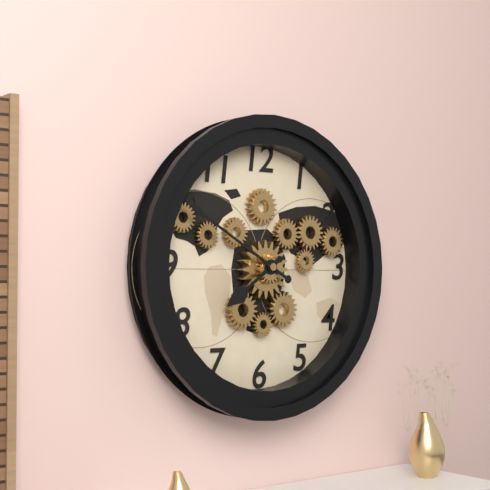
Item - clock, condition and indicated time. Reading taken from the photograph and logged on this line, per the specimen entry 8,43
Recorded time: 7,50
